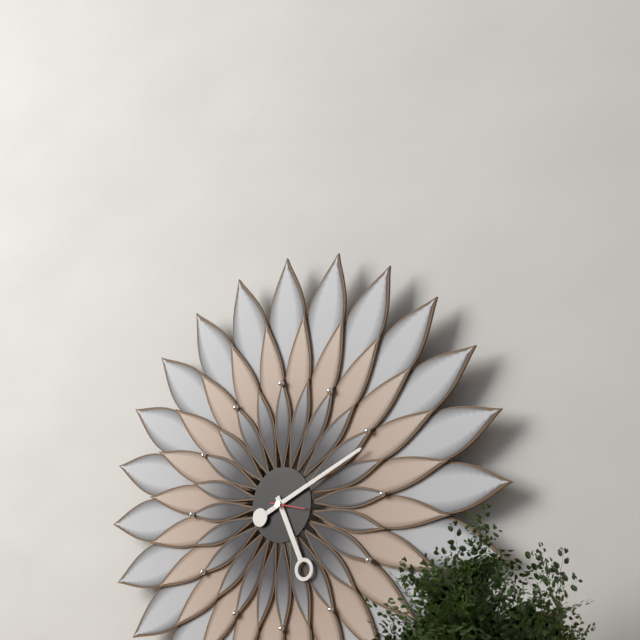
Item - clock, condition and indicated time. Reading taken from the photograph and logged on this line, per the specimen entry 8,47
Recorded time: 5,11
